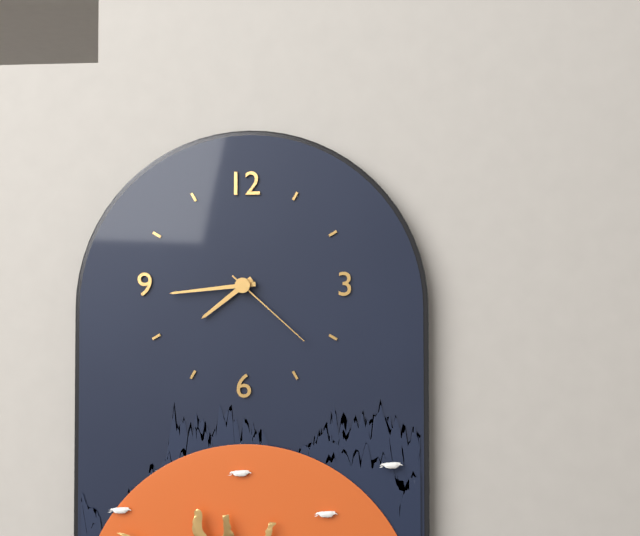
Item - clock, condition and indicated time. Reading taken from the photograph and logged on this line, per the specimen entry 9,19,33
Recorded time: 7,44,22
